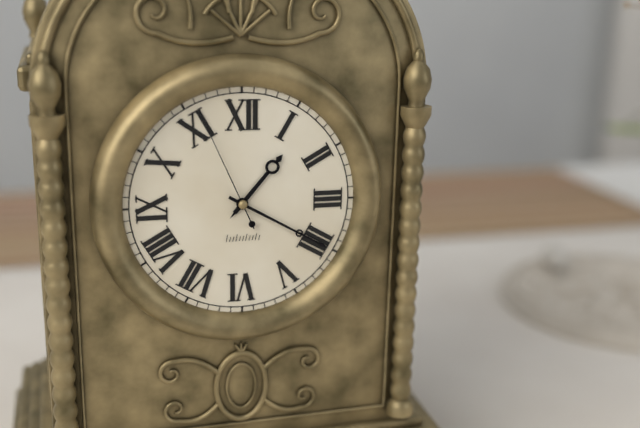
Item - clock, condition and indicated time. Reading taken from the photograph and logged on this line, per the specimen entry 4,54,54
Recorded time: 1,20,56
